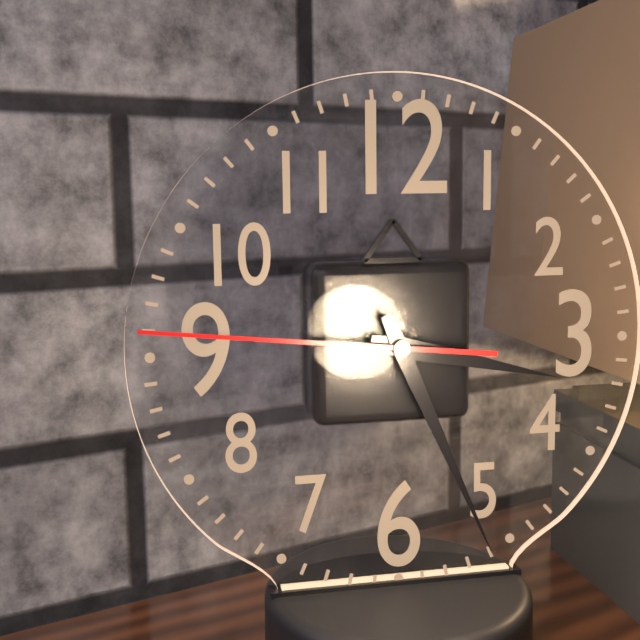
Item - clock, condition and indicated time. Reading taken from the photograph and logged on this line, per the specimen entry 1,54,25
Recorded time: 3,26,46
